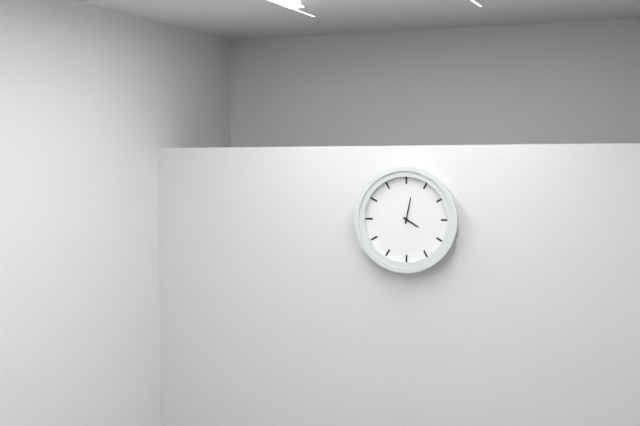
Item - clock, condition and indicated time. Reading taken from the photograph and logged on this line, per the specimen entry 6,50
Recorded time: 4,02
